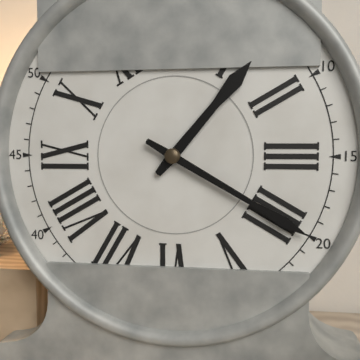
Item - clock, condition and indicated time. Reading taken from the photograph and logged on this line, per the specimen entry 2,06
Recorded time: 1,20
